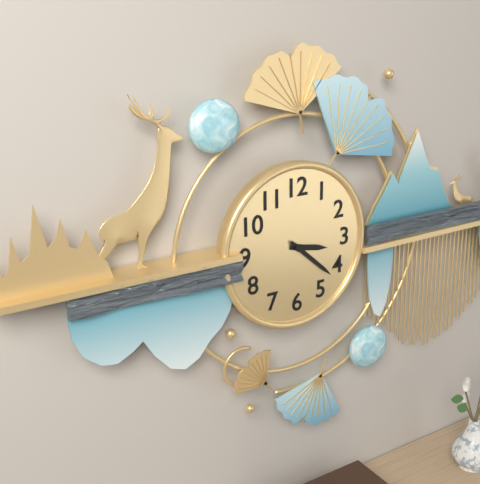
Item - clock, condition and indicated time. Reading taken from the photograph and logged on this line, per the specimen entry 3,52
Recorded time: 3,22
